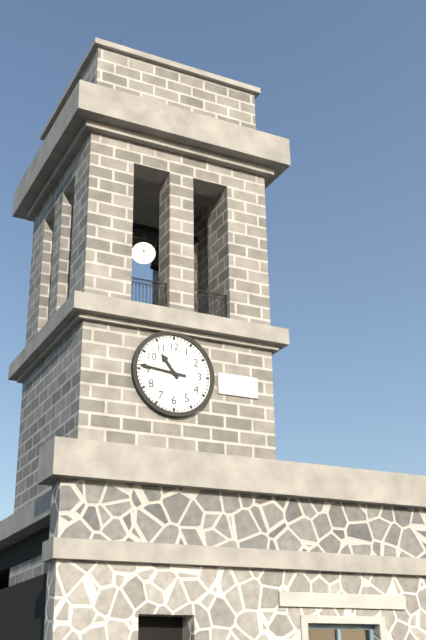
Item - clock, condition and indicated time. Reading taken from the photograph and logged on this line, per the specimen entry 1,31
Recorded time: 10,46
